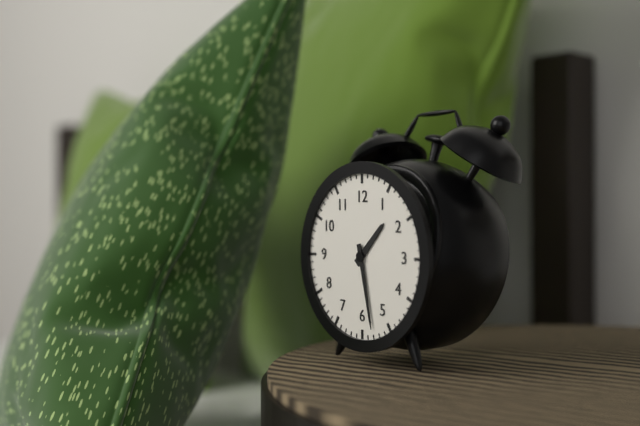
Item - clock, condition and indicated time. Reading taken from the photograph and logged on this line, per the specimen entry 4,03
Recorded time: 1,28
